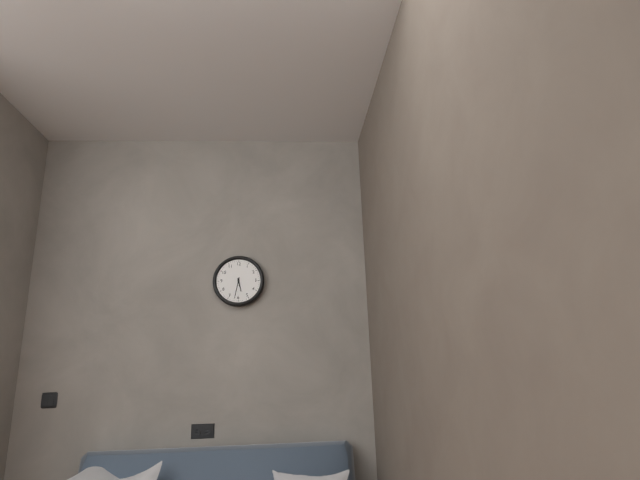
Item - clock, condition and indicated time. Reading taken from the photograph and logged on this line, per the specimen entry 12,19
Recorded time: 5,32
